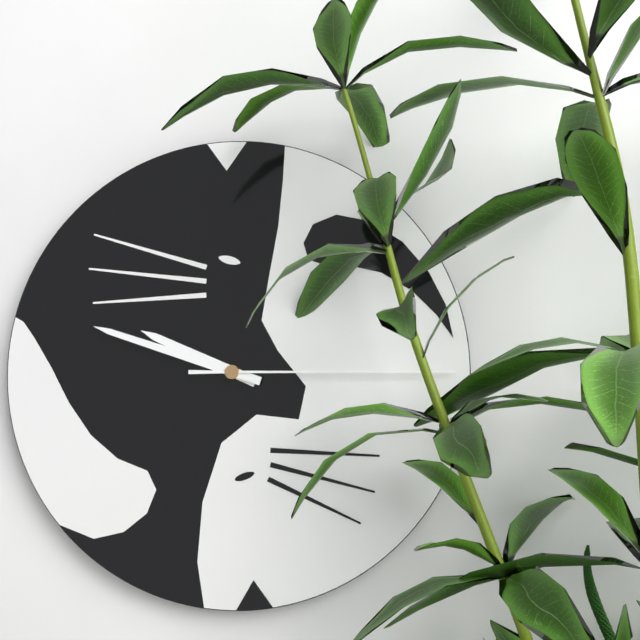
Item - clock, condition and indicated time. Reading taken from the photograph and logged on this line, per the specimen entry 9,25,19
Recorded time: 9,48,15
